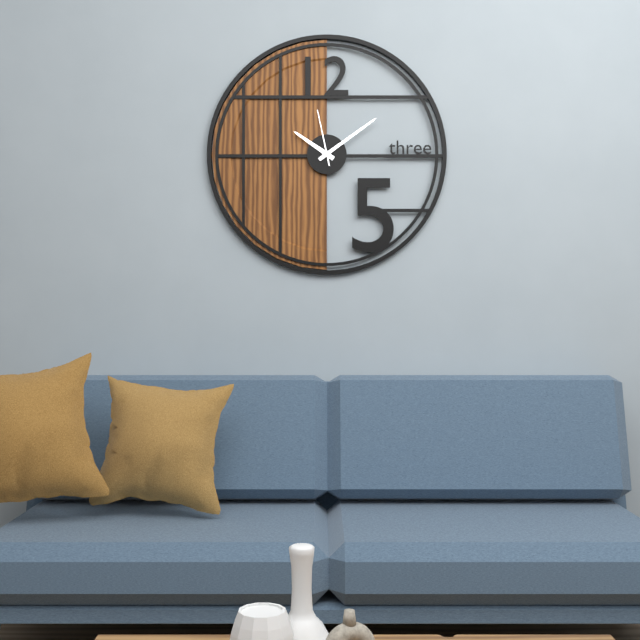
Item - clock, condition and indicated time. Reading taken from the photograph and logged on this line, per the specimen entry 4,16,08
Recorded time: 10,09,58
